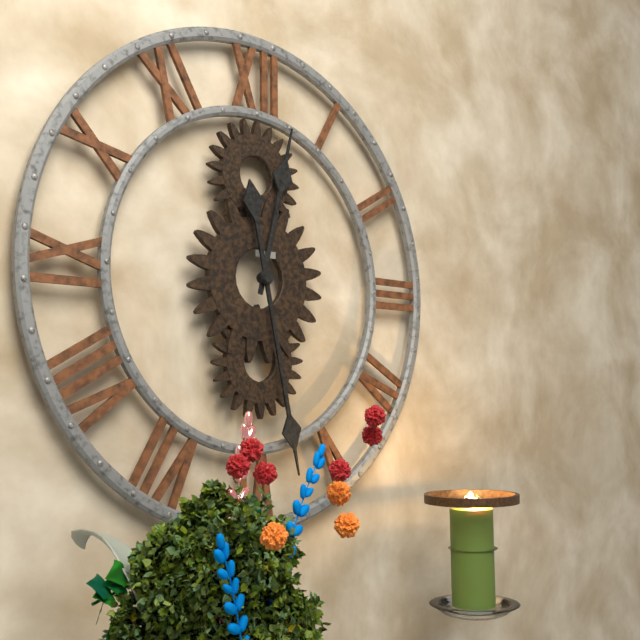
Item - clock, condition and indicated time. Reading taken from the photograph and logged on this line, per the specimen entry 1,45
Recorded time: 12,28
